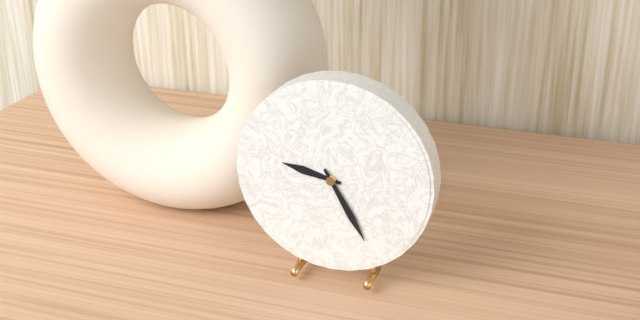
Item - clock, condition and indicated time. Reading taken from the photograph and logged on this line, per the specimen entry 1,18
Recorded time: 9,25
